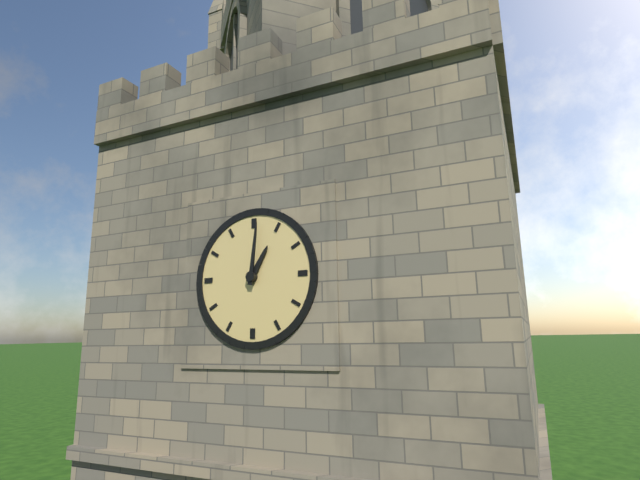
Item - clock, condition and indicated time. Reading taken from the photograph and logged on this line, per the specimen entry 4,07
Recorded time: 1,01
